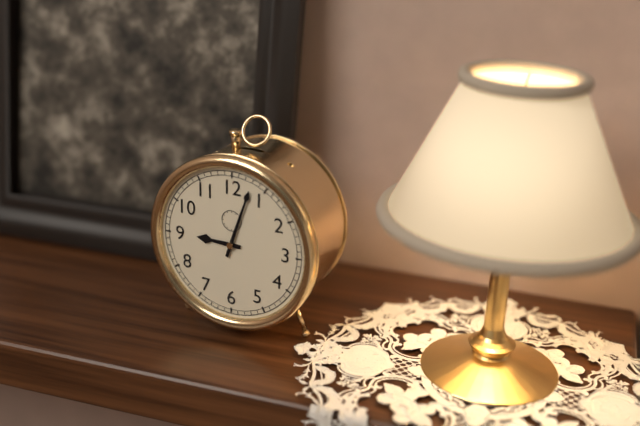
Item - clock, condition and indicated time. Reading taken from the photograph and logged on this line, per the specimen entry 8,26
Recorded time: 9,03
